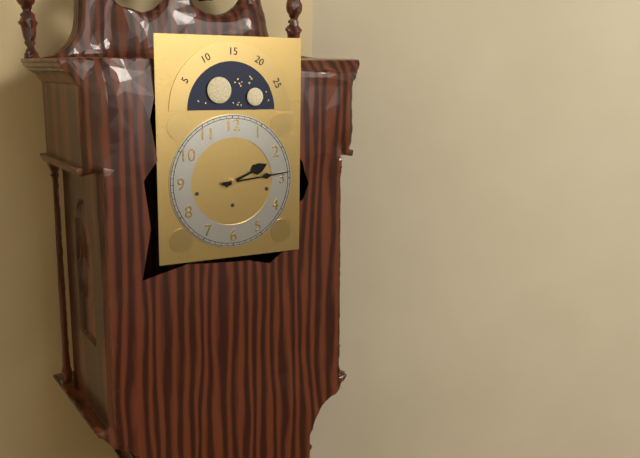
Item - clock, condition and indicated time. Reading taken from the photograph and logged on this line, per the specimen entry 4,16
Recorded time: 2,14
